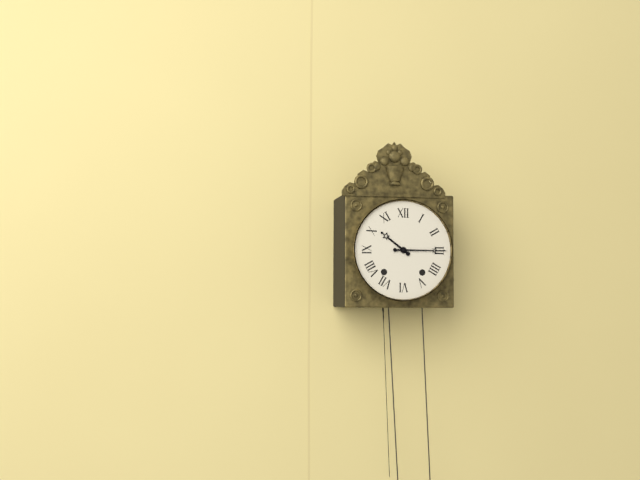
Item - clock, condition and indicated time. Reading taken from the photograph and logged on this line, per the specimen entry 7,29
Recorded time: 10,15
